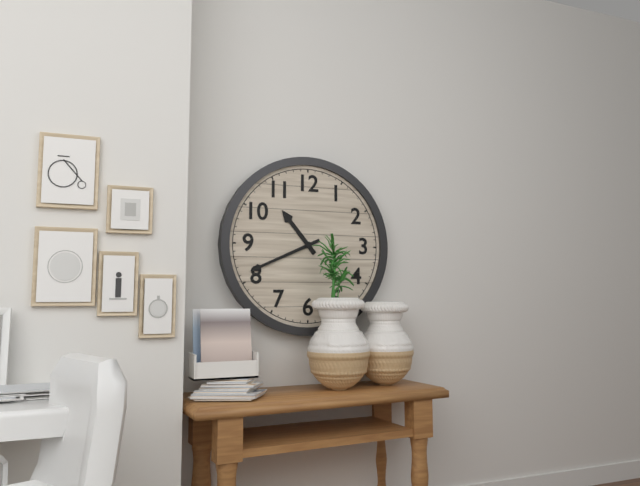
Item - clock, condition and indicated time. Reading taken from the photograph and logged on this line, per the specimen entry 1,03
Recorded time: 10,41
